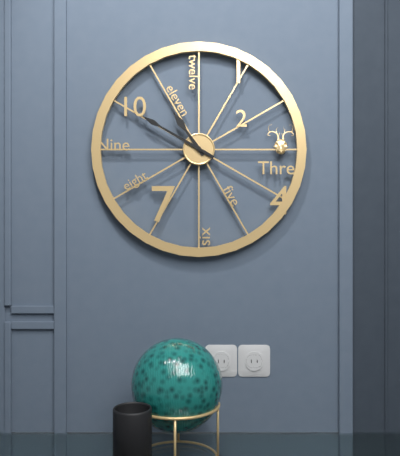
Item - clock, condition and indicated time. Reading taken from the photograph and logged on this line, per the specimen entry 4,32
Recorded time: 10,50
